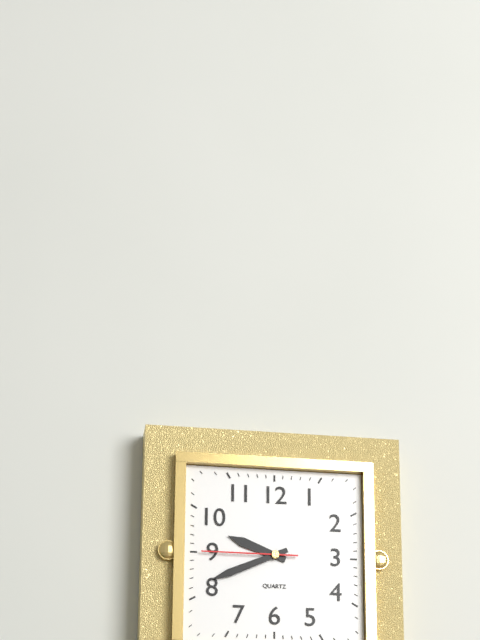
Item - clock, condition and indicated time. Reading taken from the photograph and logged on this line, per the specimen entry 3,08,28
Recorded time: 9,41,45
